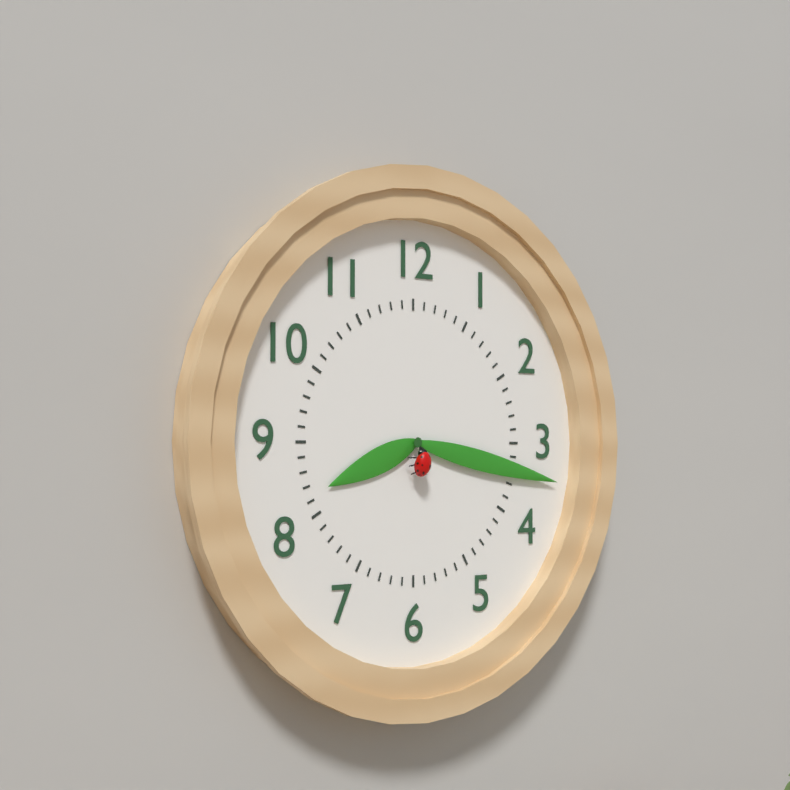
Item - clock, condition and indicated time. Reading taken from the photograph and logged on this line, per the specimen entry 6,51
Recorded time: 8,17
